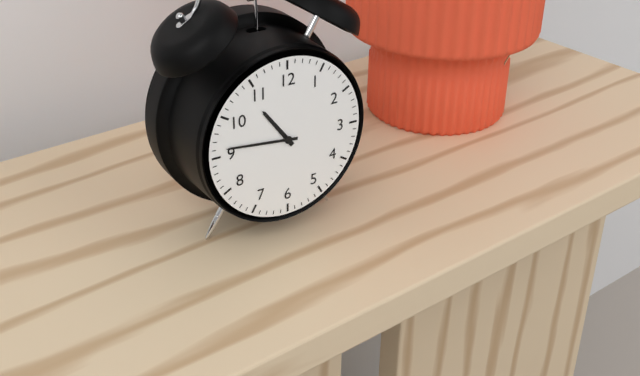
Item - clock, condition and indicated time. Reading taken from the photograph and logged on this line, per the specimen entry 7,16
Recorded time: 10,46
